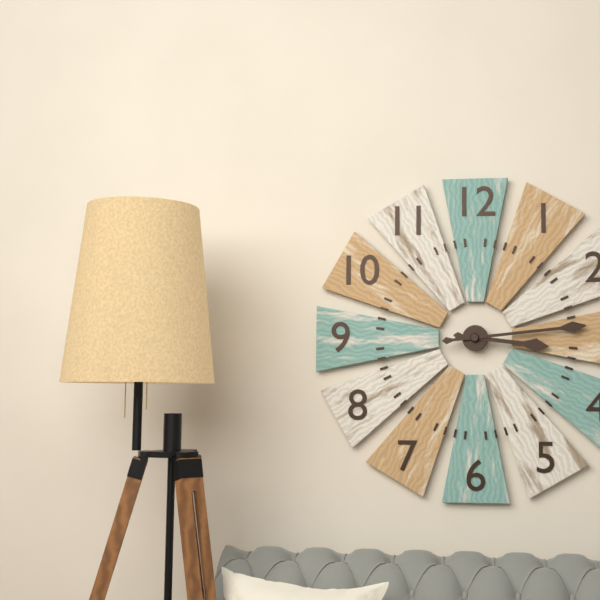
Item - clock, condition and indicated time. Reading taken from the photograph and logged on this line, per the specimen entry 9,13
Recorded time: 3,14
